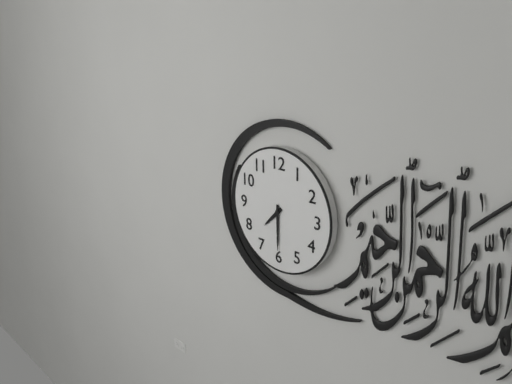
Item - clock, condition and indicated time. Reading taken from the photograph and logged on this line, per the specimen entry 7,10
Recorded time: 7,30
